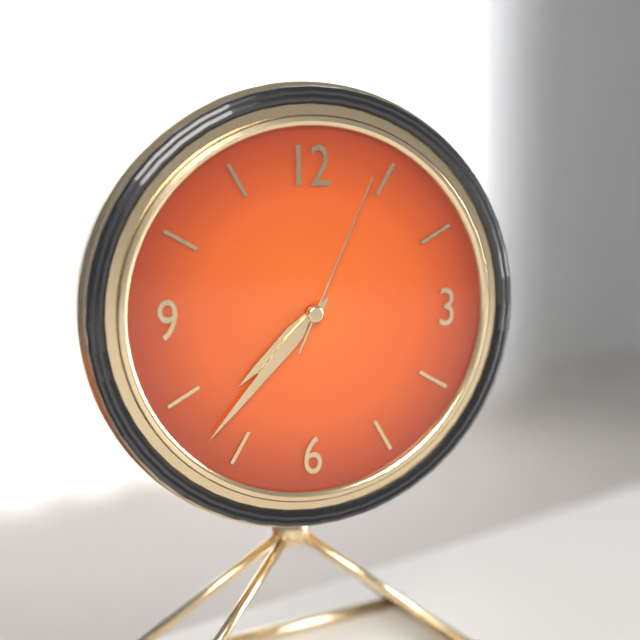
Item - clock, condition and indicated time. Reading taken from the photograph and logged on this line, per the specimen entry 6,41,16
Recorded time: 7,37,04
